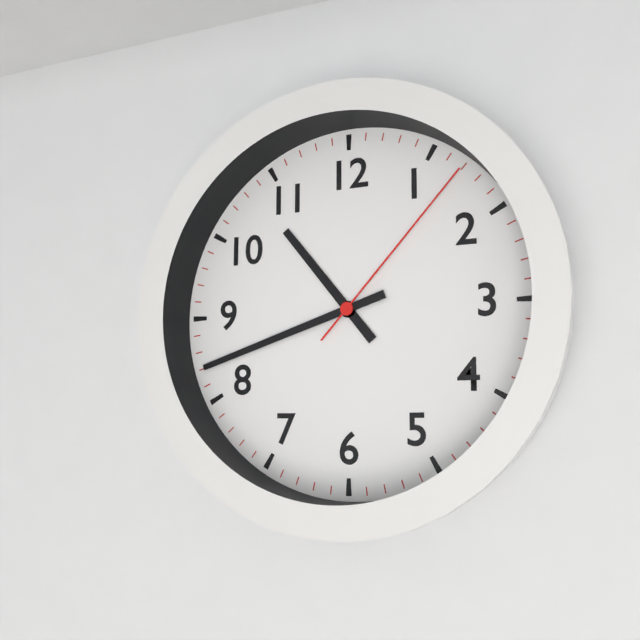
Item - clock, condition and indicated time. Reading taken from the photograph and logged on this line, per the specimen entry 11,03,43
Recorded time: 10,42,07
